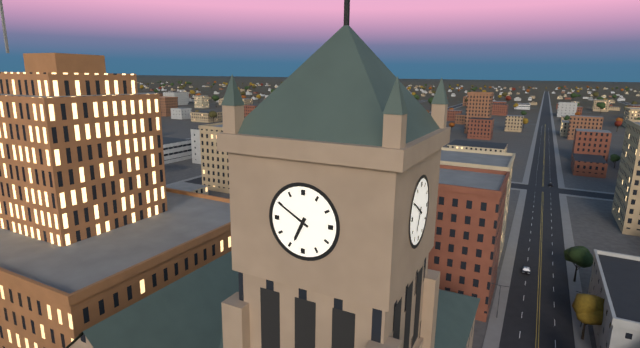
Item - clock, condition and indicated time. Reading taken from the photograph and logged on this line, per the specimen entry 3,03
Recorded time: 6,50
